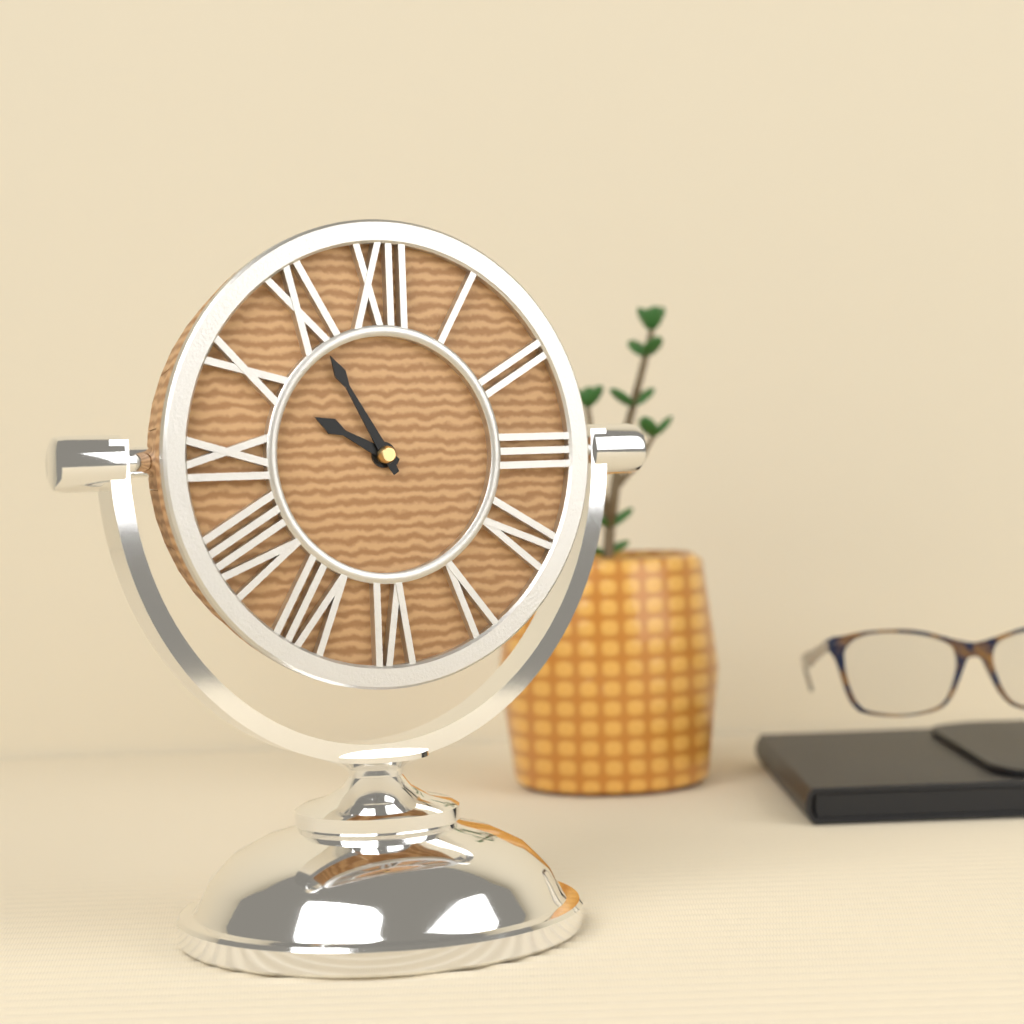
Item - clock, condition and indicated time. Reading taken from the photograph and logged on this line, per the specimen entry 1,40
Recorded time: 9,55
